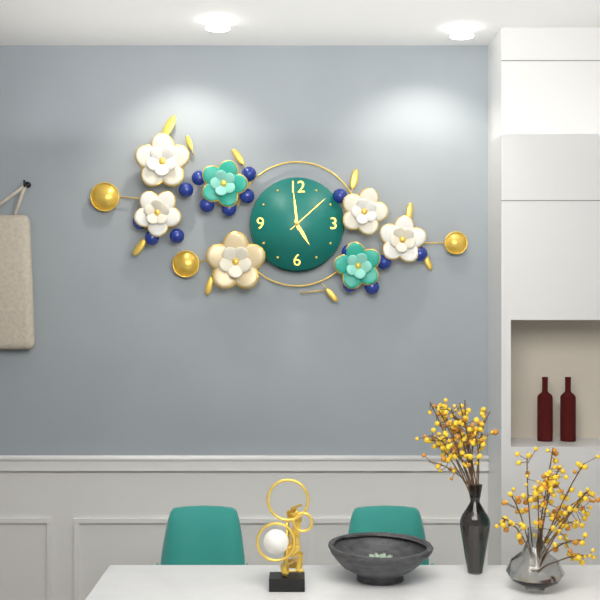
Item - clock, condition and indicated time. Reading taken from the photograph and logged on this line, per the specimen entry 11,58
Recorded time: 4,59
